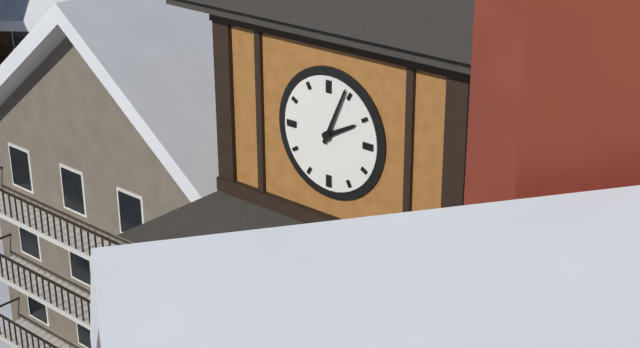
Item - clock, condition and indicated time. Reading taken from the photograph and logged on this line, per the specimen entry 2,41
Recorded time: 2,04
